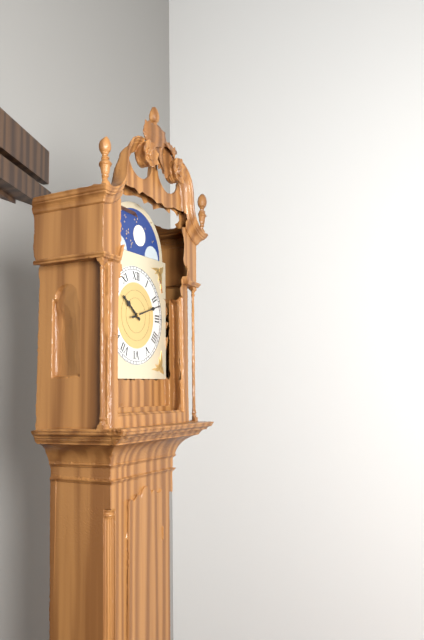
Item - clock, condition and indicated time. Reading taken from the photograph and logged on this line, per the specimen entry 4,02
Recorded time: 10,12
